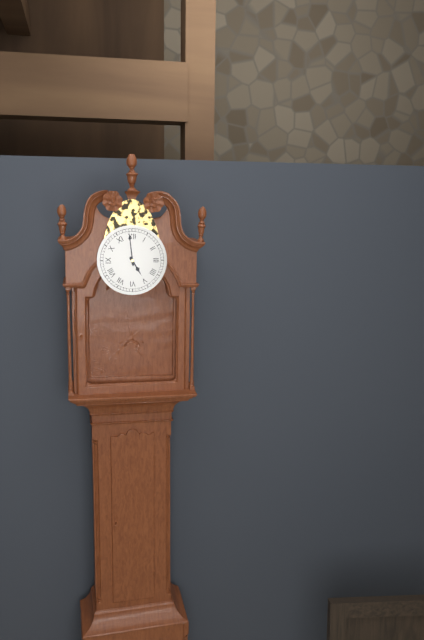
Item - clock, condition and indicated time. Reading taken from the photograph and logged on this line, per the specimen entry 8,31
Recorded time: 4,59
